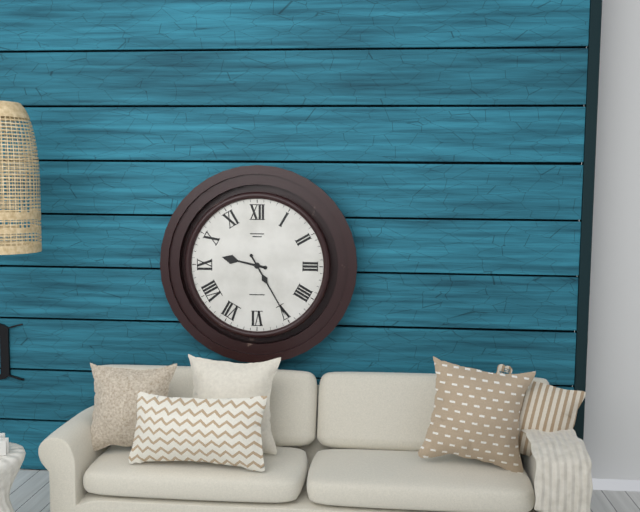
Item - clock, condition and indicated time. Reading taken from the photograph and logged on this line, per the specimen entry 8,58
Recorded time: 9,25
